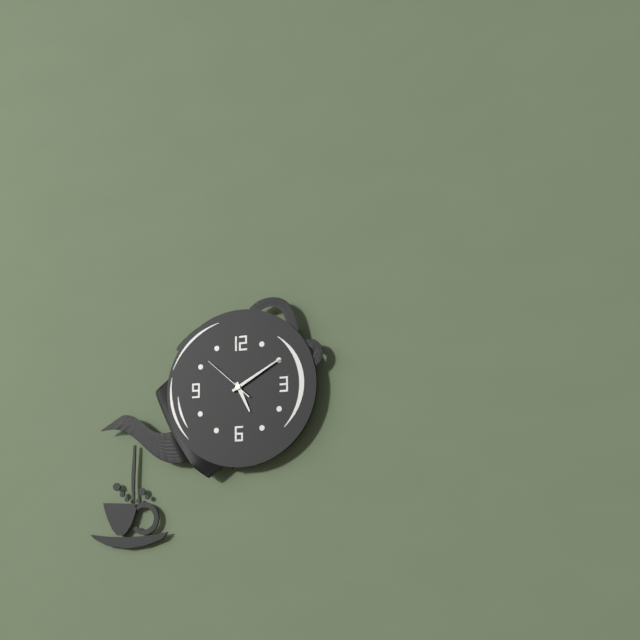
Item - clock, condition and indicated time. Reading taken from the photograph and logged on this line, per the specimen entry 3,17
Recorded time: 5,10
